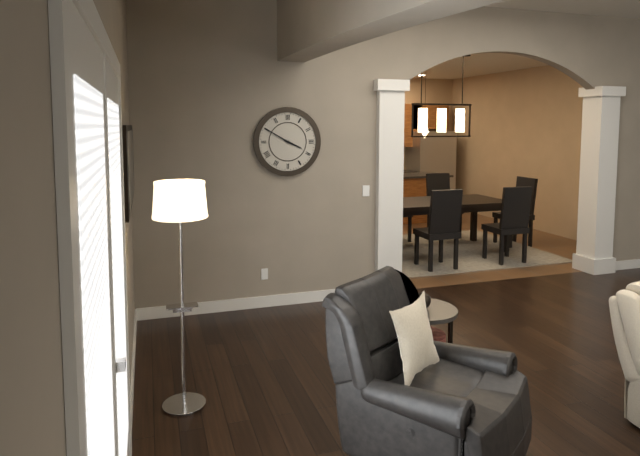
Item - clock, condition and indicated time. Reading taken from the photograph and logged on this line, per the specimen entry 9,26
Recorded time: 3,50
